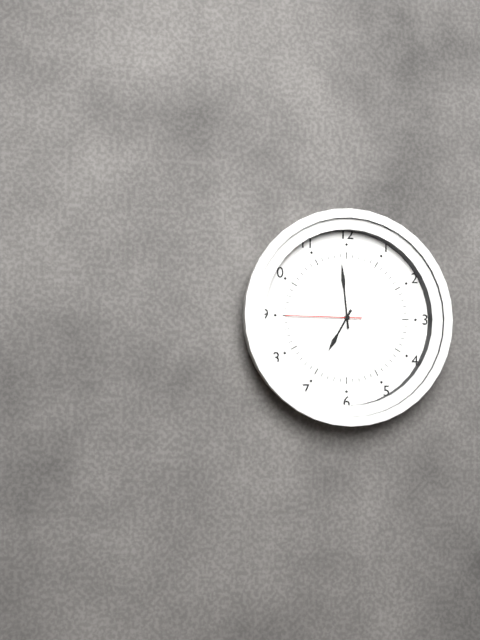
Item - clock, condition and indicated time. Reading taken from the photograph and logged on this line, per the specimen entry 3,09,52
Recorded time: 6,59,45
